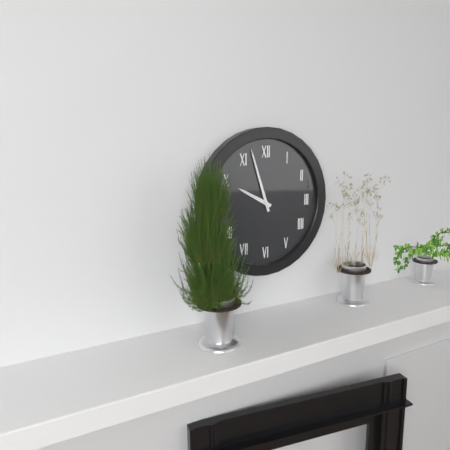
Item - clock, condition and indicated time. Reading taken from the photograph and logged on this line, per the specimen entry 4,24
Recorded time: 9,57
